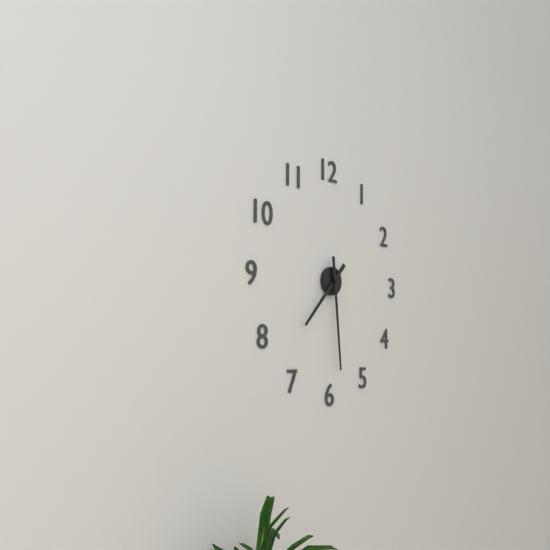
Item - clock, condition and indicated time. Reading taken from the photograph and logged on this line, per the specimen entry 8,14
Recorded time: 7,29
